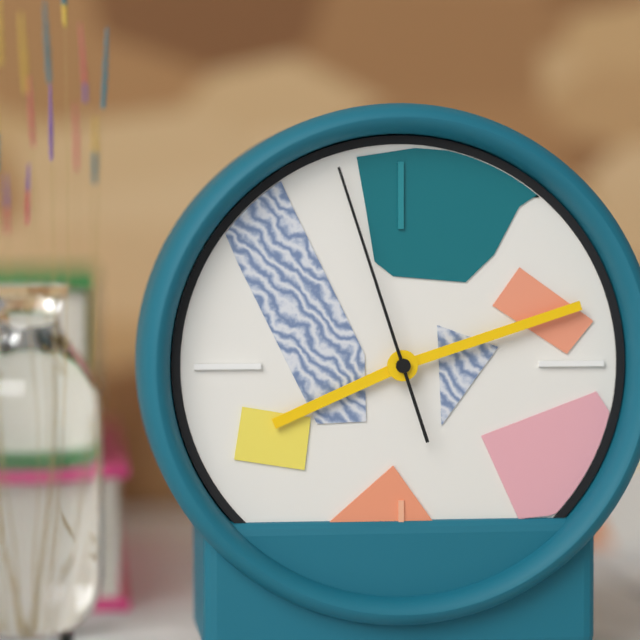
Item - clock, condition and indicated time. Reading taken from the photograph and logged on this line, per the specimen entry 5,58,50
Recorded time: 8,12,57
